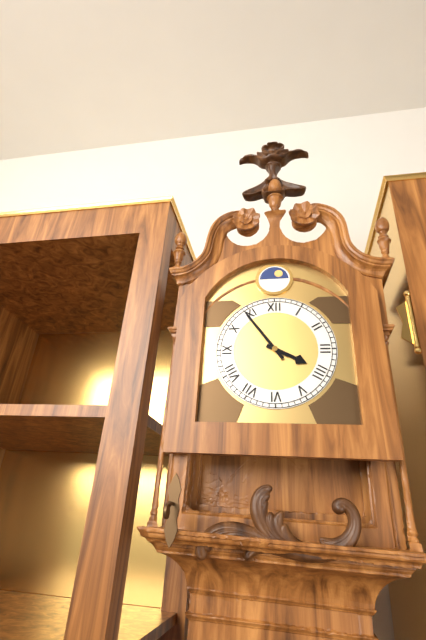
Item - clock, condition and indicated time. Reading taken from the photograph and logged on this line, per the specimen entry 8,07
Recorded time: 3,54
